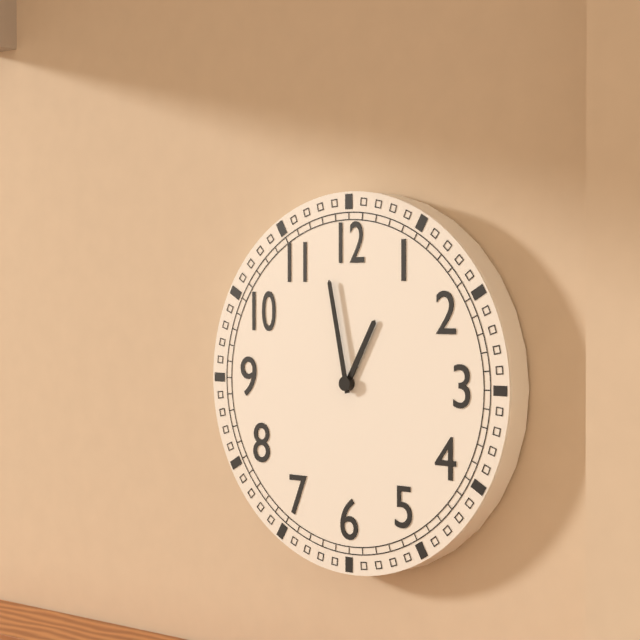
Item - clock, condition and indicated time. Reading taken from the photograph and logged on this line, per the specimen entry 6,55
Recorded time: 12,58
